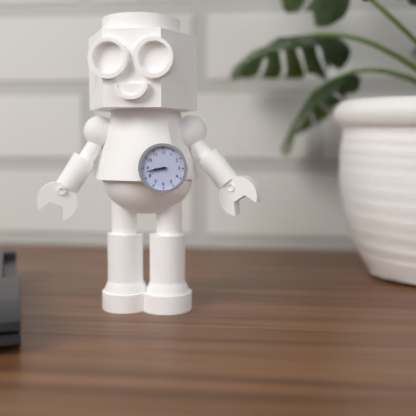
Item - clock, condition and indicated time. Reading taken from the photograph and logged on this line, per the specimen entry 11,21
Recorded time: 8,43
